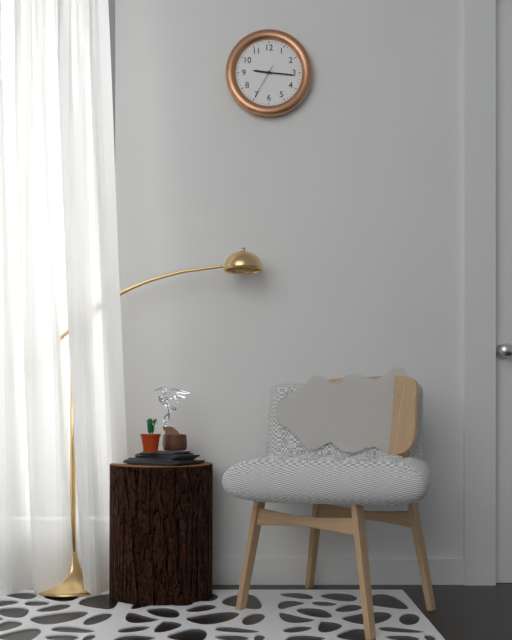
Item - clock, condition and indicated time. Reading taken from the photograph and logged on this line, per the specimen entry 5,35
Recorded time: 9,16
